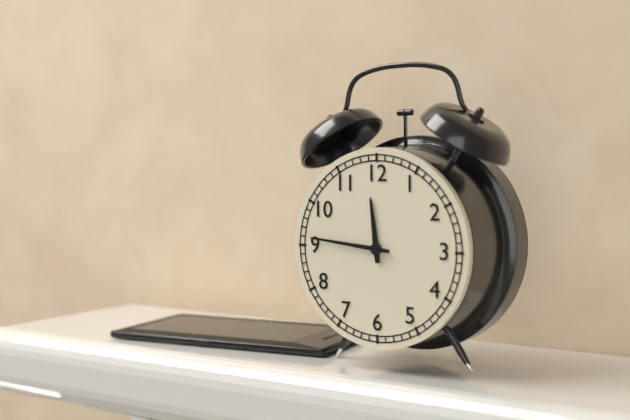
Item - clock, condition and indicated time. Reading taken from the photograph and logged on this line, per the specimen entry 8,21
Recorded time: 11,46
